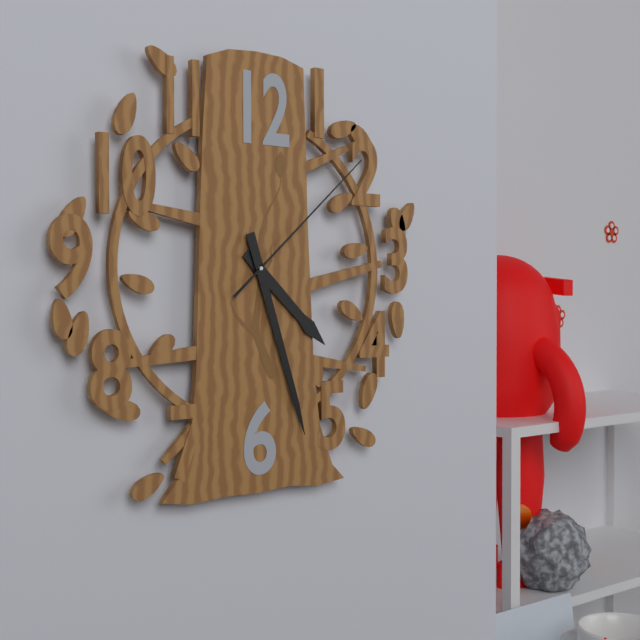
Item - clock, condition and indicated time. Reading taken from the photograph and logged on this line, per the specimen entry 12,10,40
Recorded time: 4,27,08
